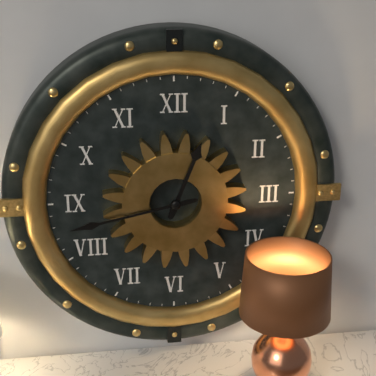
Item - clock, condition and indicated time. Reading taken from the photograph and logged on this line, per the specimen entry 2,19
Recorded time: 12,43
